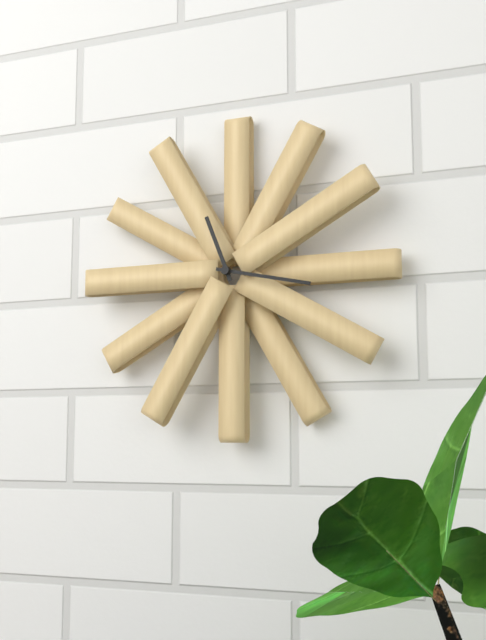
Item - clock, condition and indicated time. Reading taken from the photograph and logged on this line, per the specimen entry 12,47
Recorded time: 11,17
